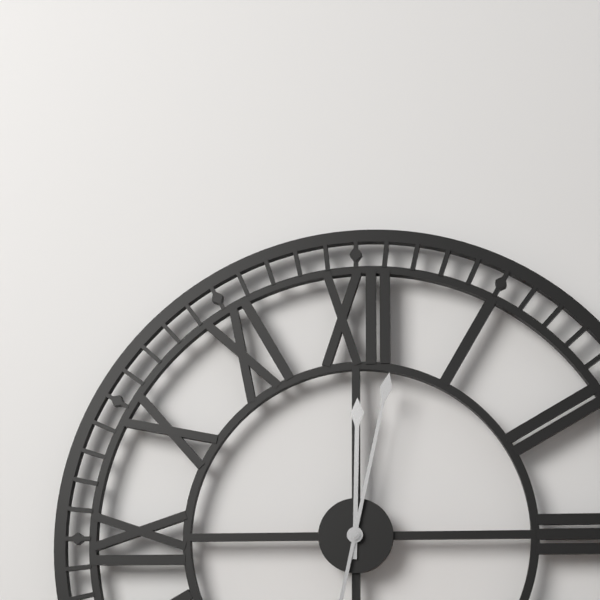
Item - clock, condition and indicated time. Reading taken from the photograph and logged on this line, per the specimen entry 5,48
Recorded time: 12,02
